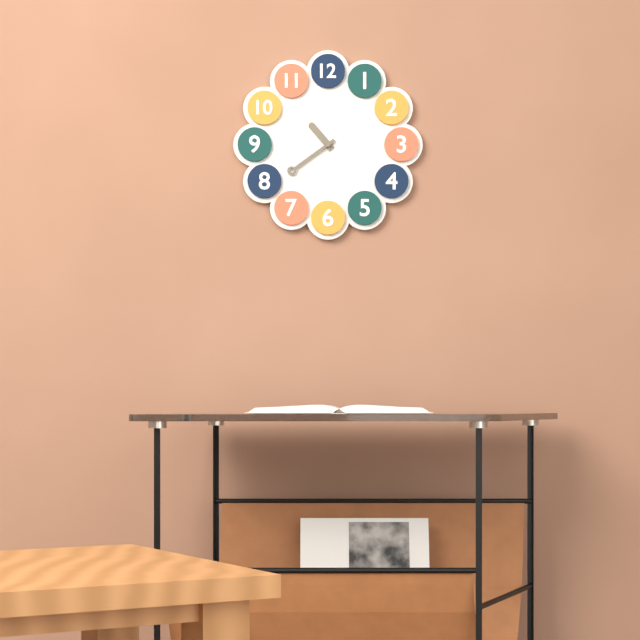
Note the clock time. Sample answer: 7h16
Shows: 10h39
